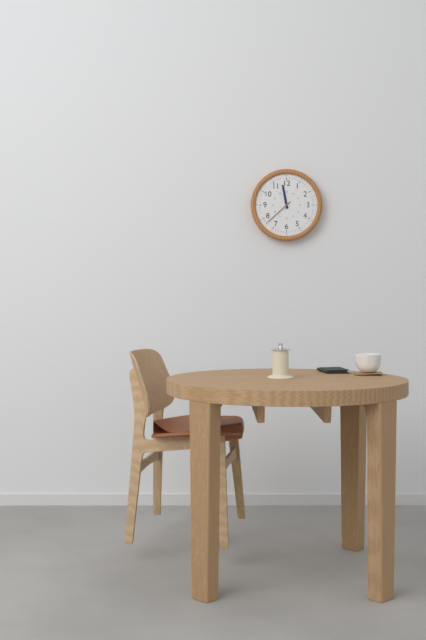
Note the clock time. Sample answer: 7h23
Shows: 11h38
